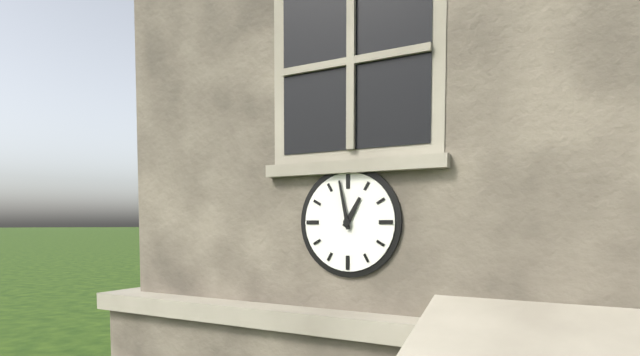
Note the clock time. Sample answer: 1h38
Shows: 12h58
